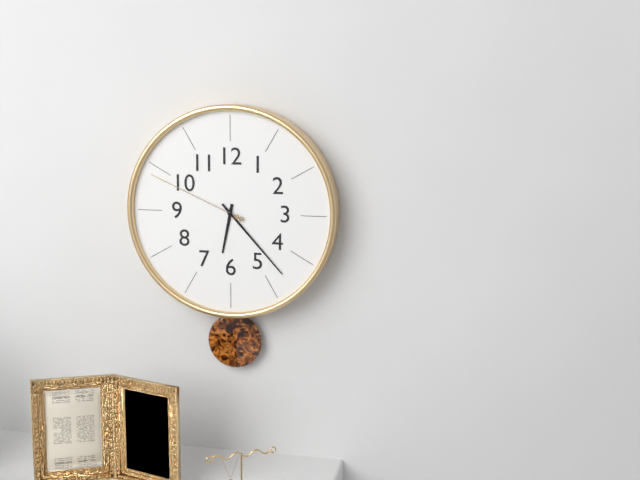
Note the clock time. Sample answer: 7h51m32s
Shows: 6h23m49s
